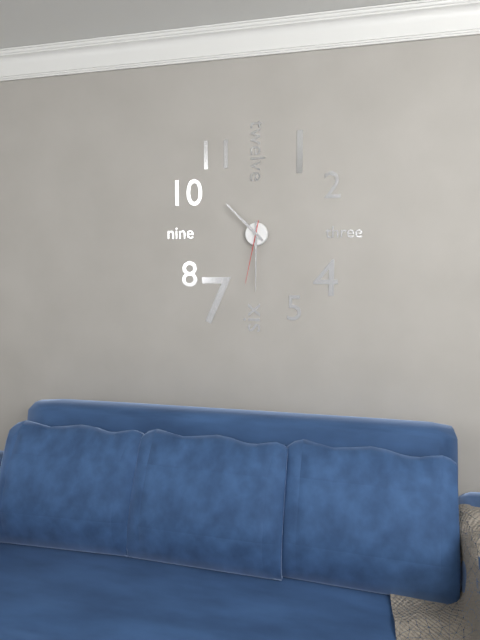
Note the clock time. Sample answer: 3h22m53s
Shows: 10h30m32s
